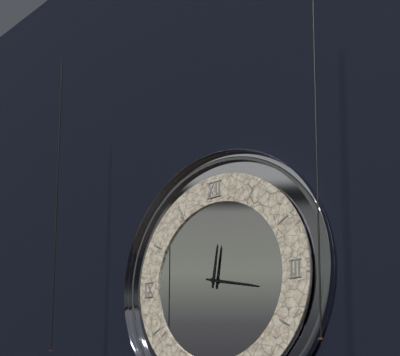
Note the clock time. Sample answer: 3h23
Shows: 12h17
